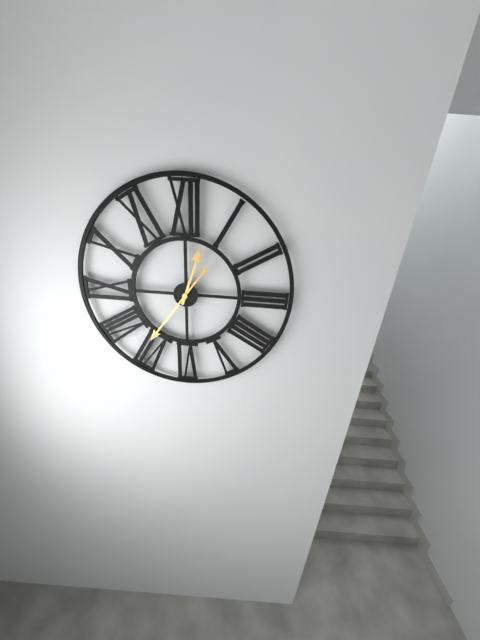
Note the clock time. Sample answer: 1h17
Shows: 12h36
